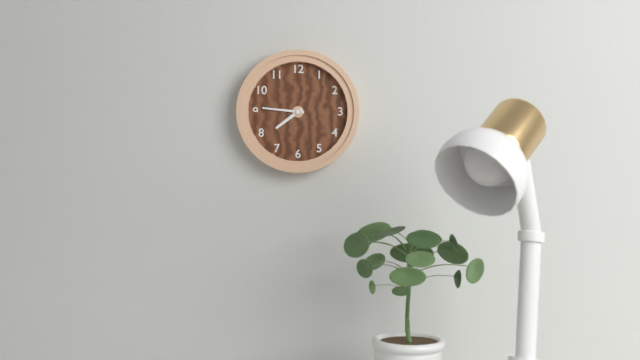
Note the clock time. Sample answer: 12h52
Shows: 7h46
